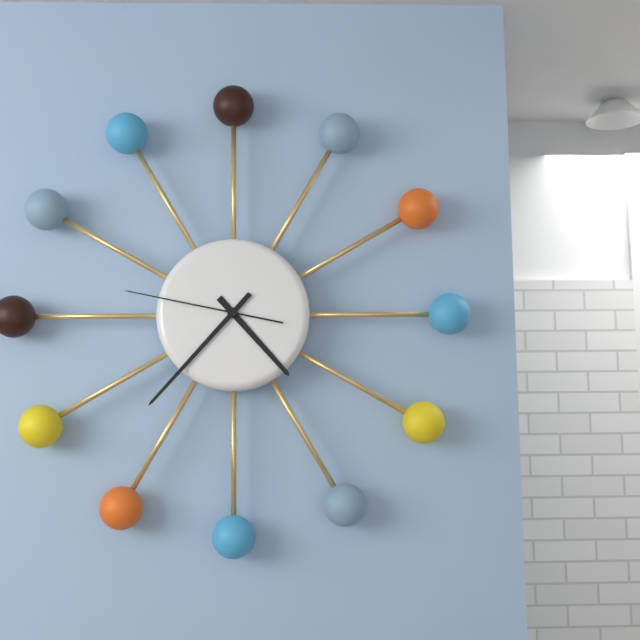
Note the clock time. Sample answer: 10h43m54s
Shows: 4h37m47s
